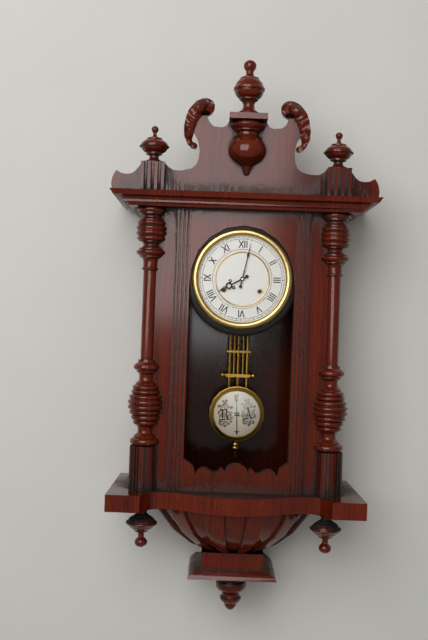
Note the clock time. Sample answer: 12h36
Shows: 8h02
